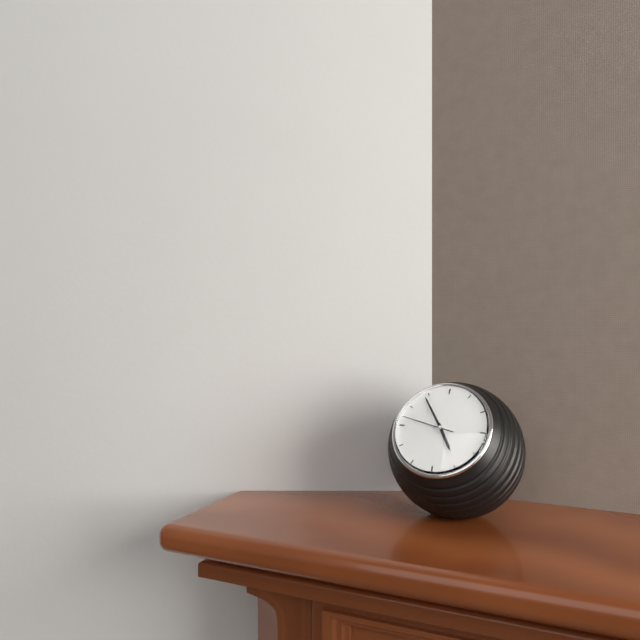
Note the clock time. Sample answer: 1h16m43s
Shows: 4h54m47s
